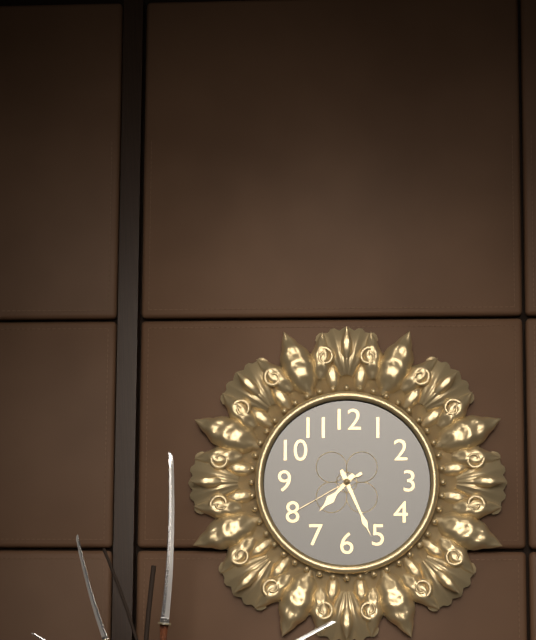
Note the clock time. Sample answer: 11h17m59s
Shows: 7h26m40s
